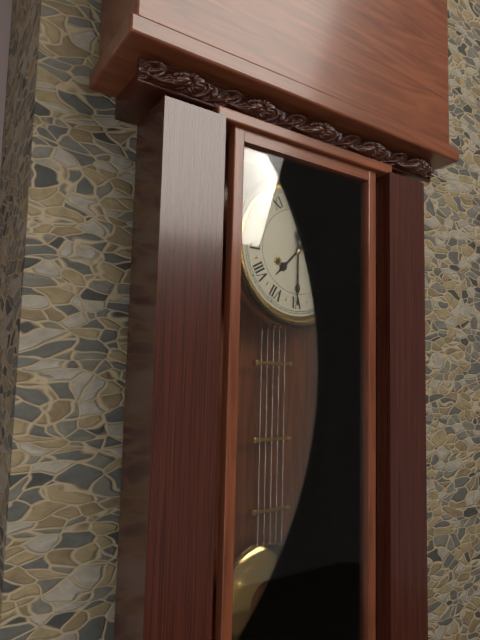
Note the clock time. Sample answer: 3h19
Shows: 7h30
